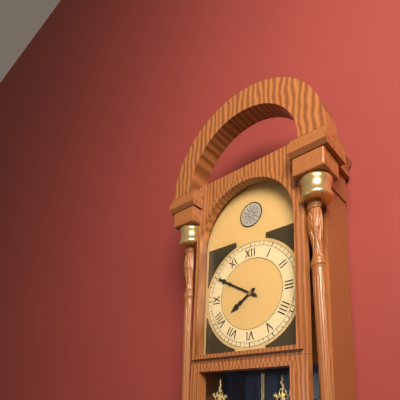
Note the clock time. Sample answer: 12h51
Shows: 7h50
